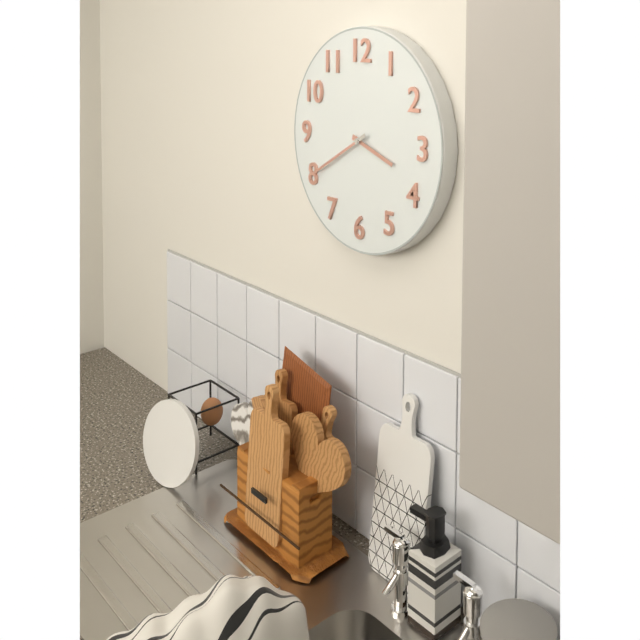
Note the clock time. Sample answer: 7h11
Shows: 3h40
